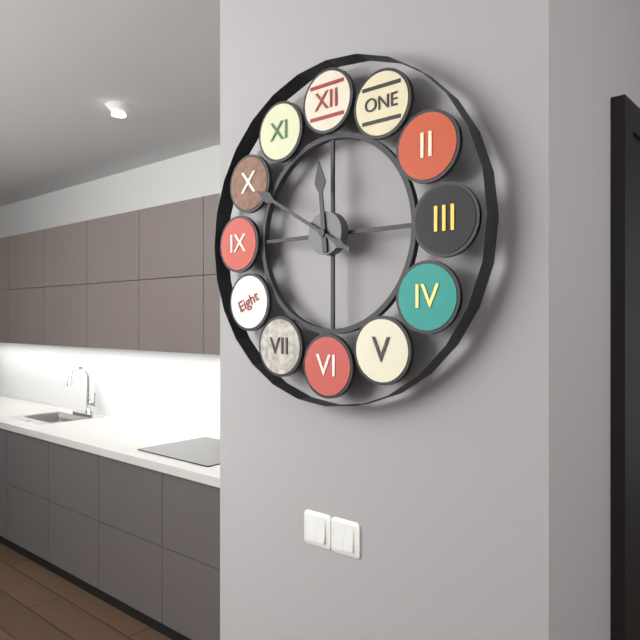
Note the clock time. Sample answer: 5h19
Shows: 11h50
